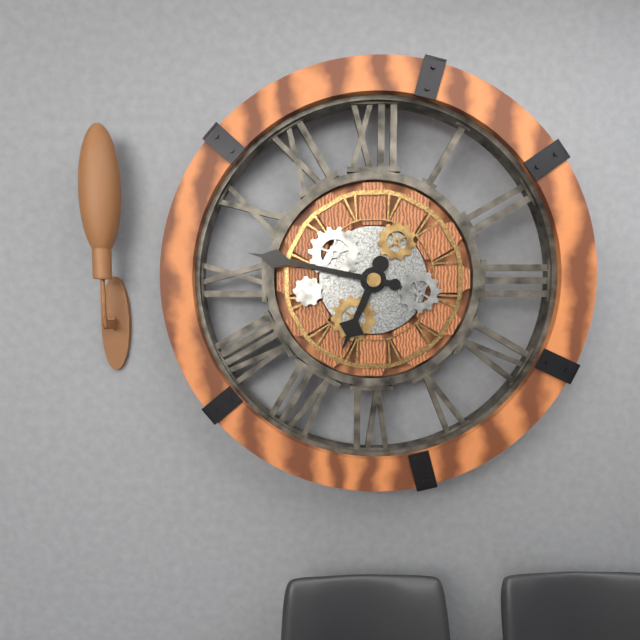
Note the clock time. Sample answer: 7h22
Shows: 6h47
